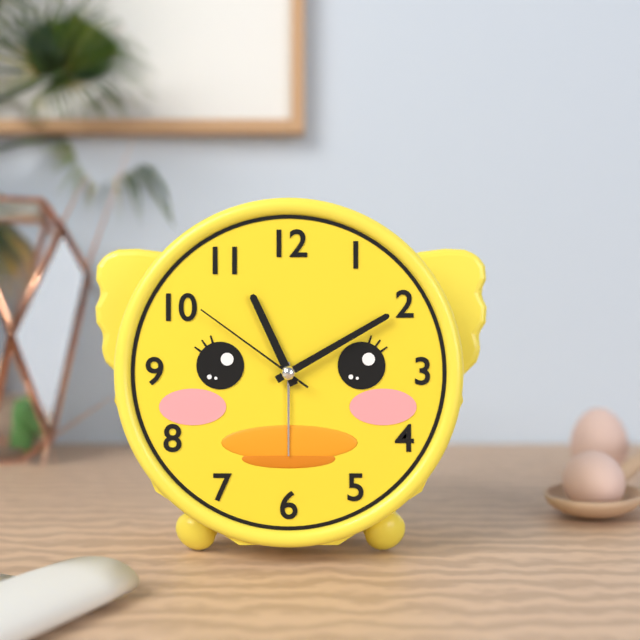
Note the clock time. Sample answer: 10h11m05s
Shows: 11h10m51s
